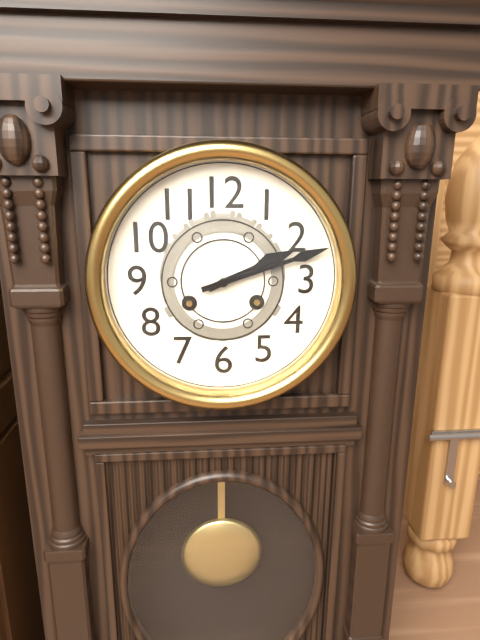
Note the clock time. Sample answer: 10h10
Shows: 2h12
